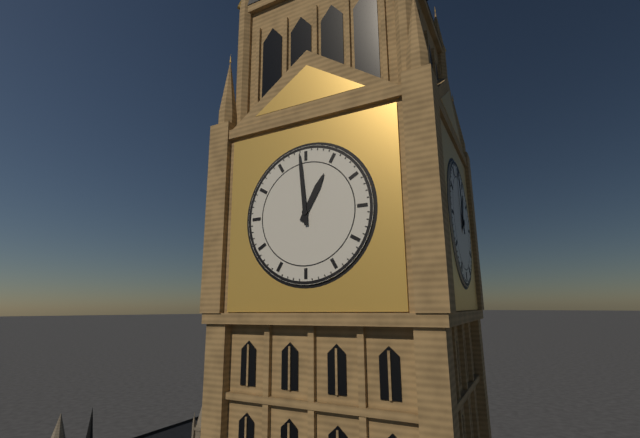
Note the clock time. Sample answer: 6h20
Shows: 12h59
